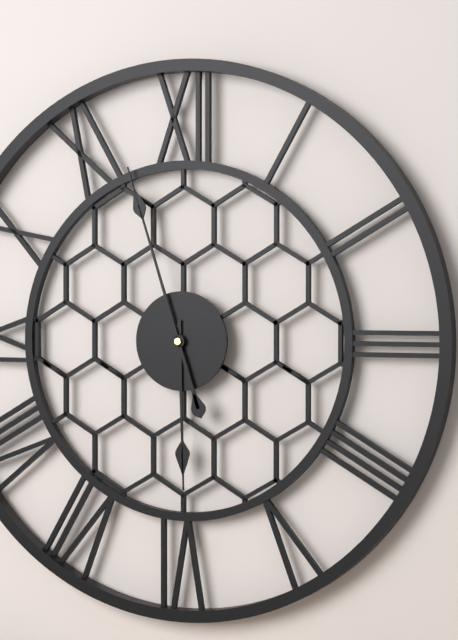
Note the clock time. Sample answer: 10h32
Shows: 5h57
